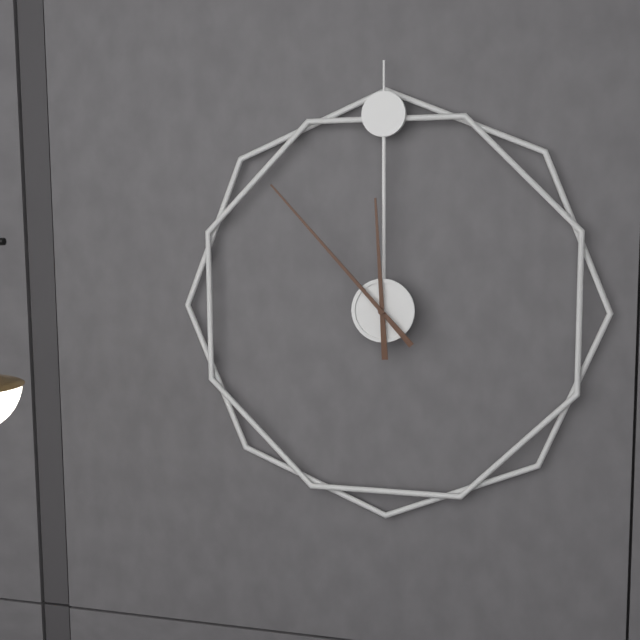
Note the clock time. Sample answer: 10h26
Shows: 11h53
